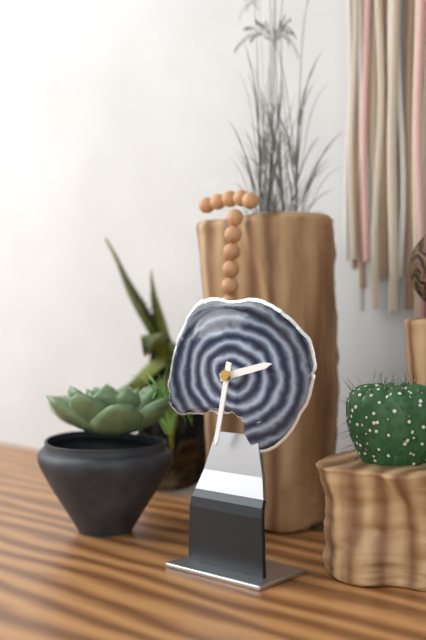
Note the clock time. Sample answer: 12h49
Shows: 2h32
